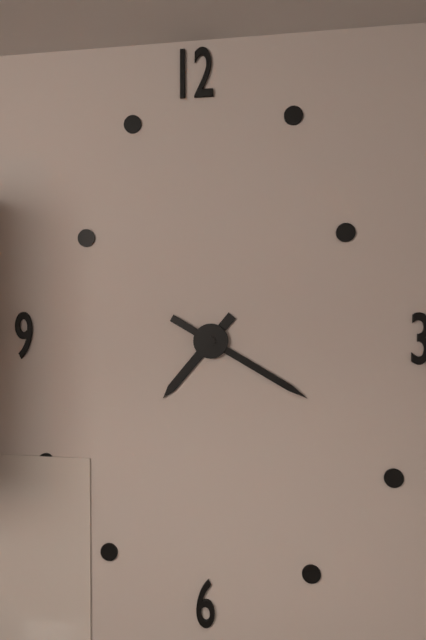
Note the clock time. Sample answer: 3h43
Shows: 7h20
